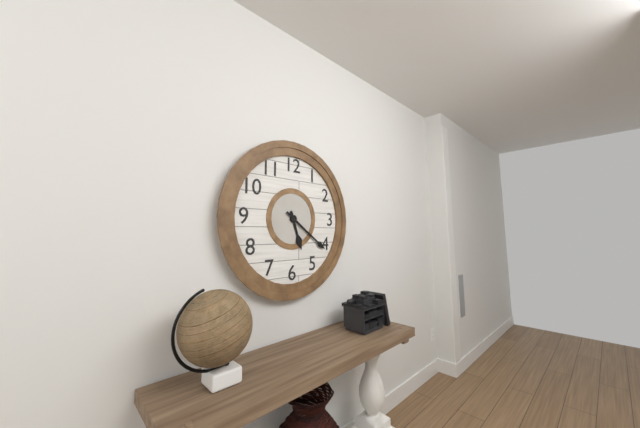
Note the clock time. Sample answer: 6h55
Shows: 5h21
